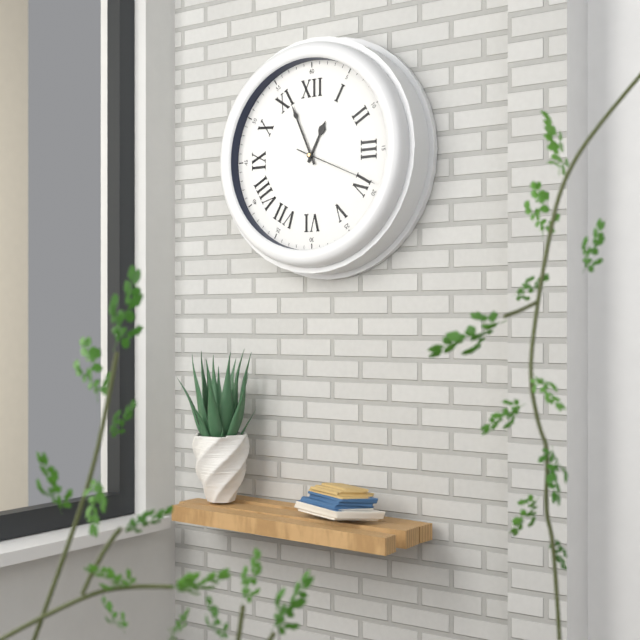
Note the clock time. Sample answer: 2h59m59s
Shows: 12h56m19s
